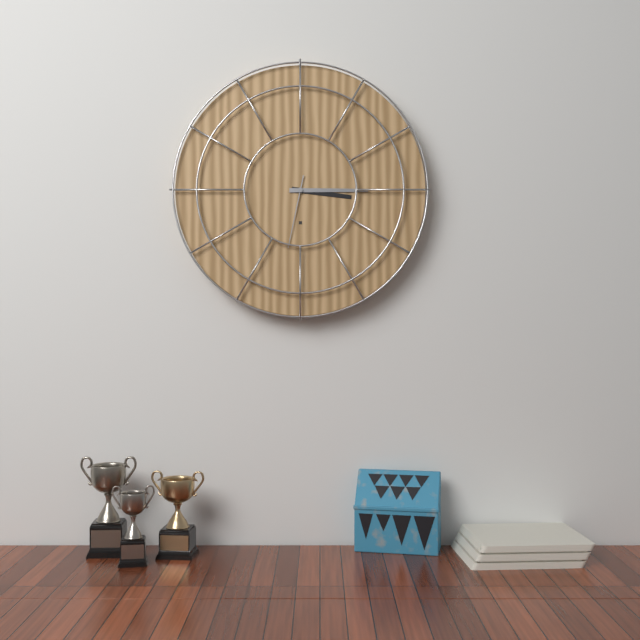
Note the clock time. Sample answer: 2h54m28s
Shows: 3h15m32s
